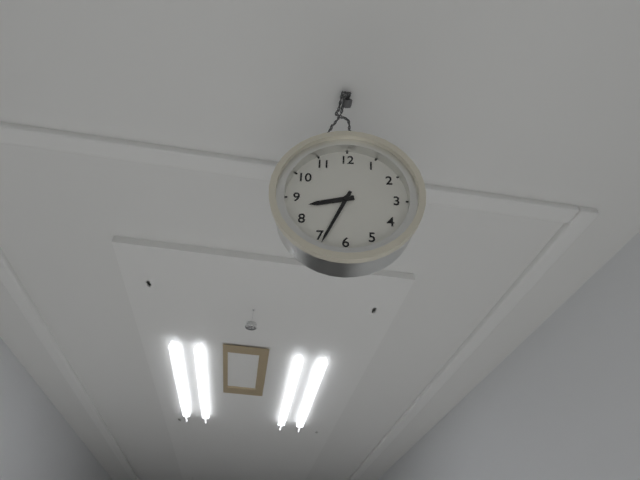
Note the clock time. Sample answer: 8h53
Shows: 8h34
